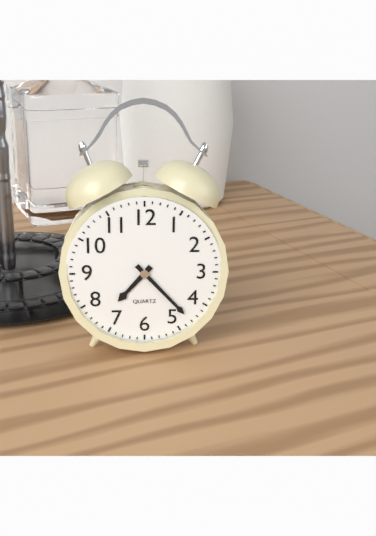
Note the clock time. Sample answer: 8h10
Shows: 7h23
